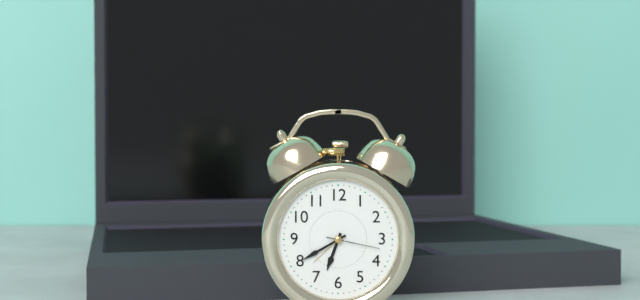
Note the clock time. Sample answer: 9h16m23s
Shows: 6h40m17s
